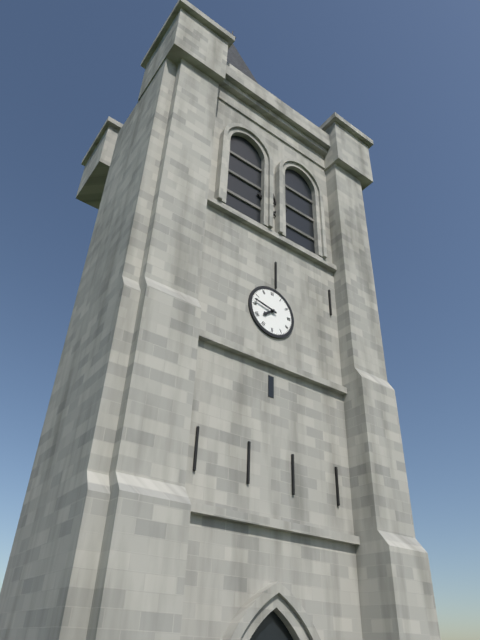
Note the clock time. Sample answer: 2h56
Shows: 7h47
